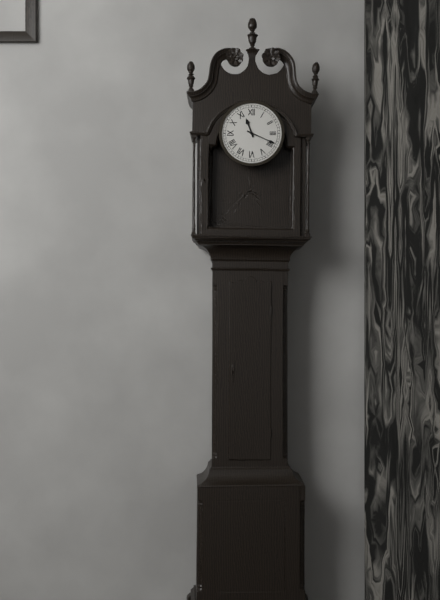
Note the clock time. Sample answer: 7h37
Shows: 11h19
